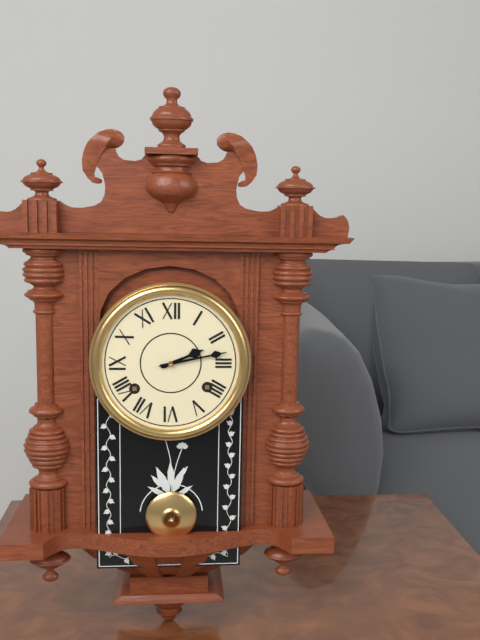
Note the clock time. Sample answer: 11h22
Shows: 2h13
